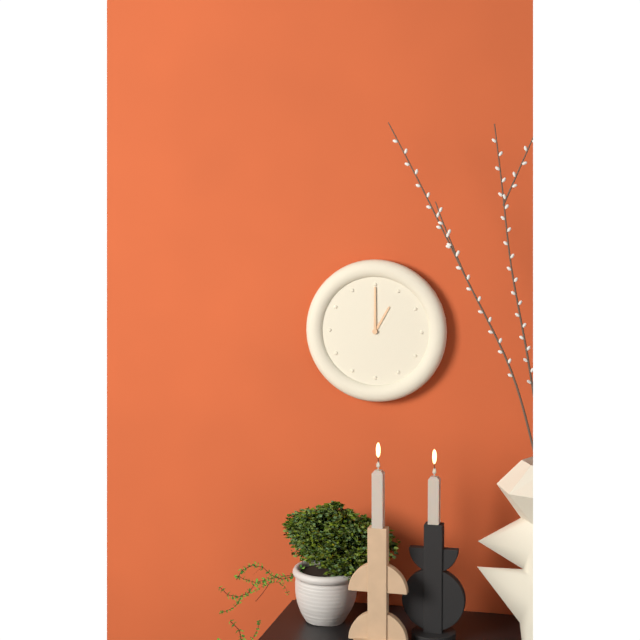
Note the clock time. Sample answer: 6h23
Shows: 1h00
